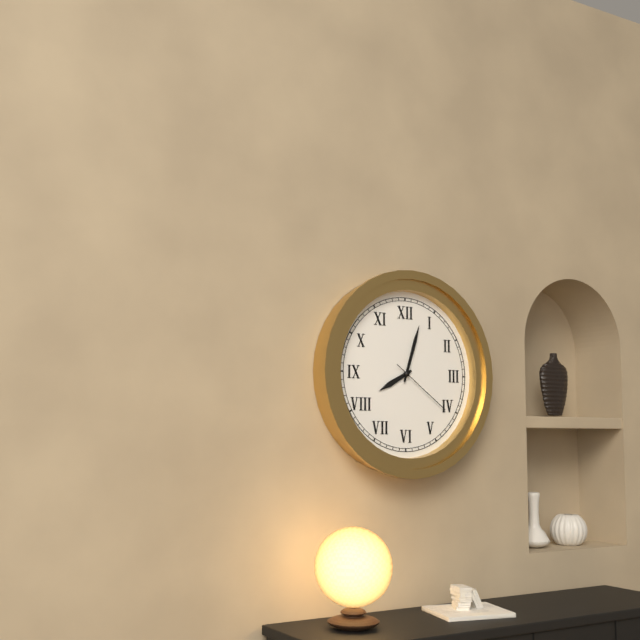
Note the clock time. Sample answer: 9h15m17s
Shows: 8h03m21s
